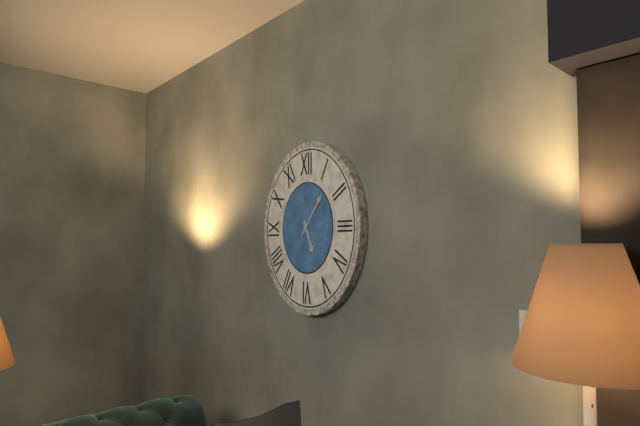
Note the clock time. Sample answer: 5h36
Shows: 5h07
